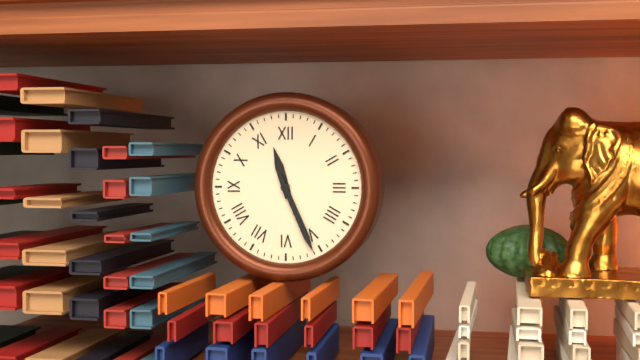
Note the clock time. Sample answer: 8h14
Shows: 11h26
